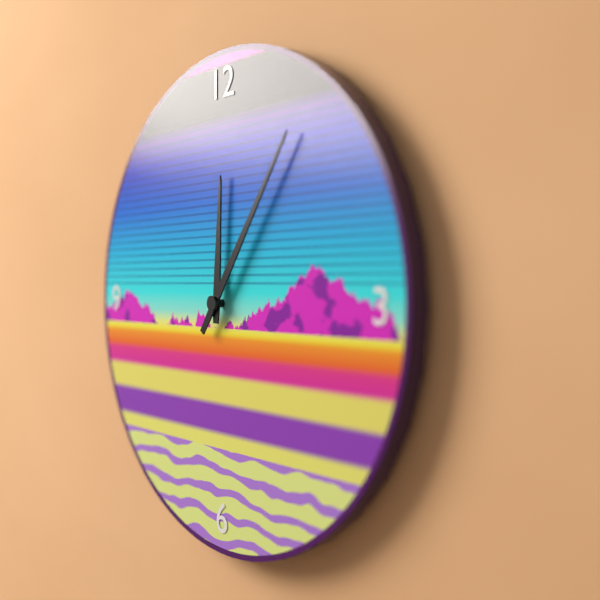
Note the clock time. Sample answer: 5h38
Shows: 12h06
